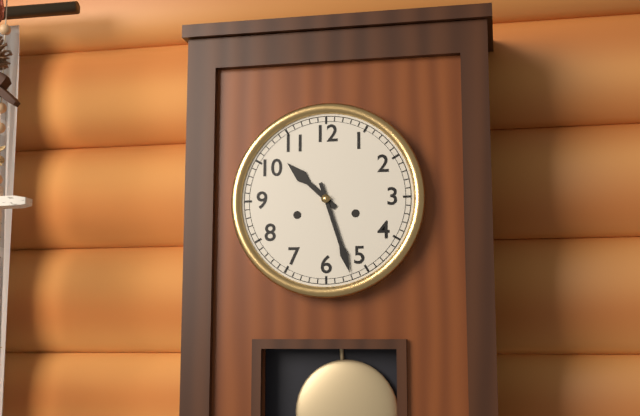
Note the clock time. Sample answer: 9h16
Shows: 10h27
